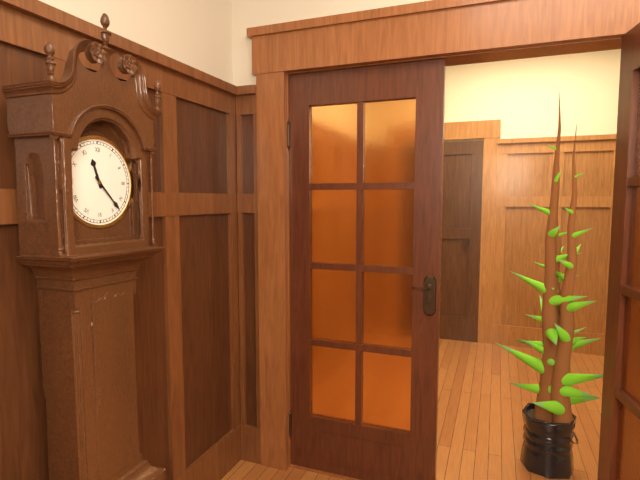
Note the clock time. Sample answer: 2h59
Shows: 11h23
